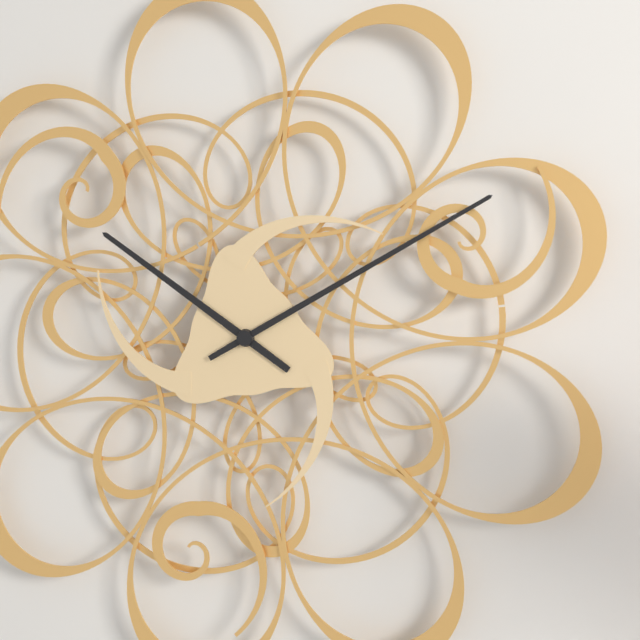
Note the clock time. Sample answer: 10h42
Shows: 10h10
